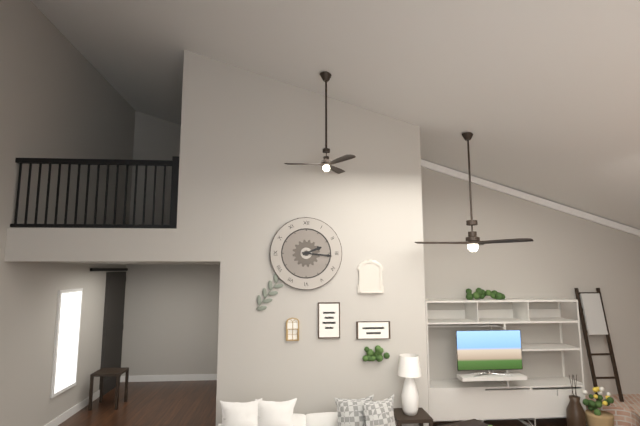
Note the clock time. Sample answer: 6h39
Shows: 2h16
